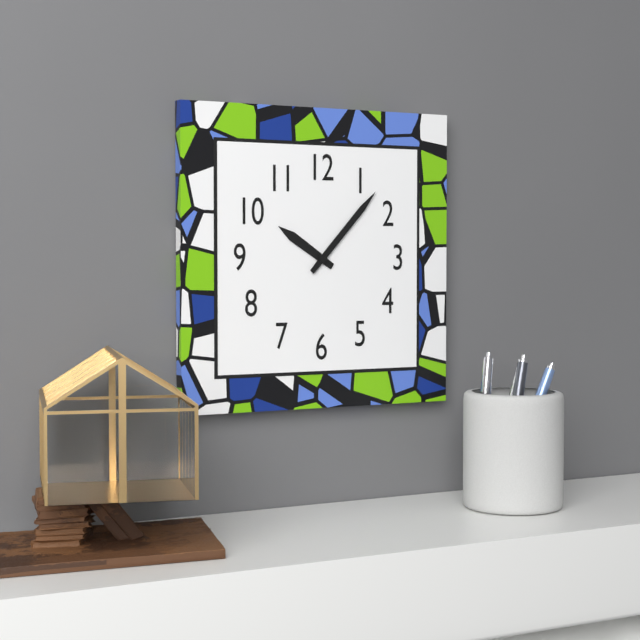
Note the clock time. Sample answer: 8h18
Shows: 10h07
